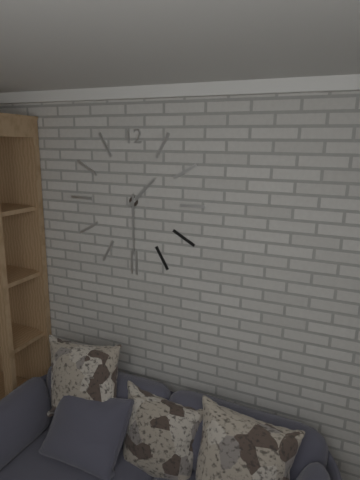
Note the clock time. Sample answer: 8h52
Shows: 1h30
